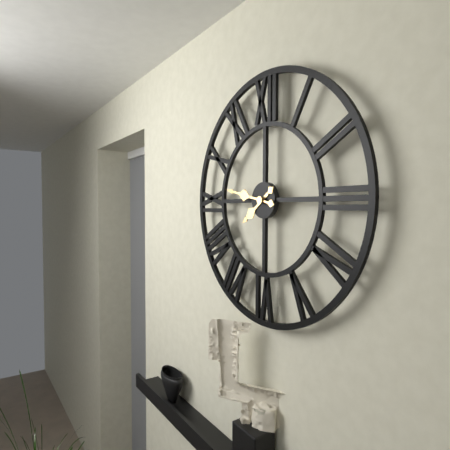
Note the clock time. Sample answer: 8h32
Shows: 7h47
